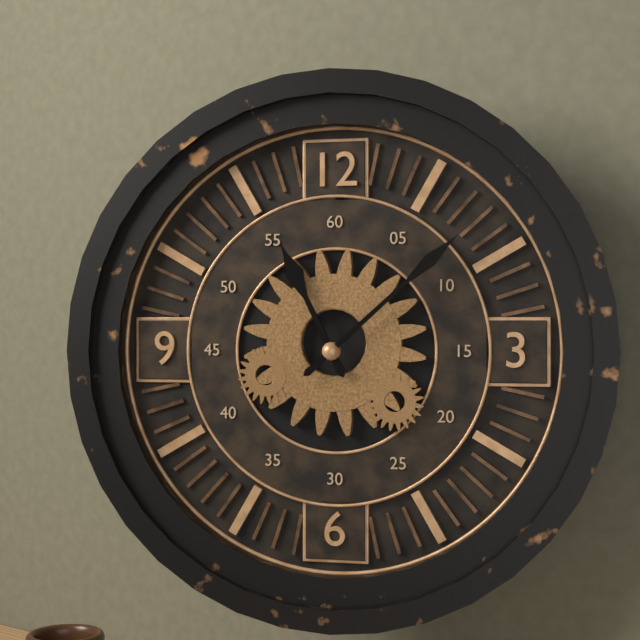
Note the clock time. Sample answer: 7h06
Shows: 11h08
